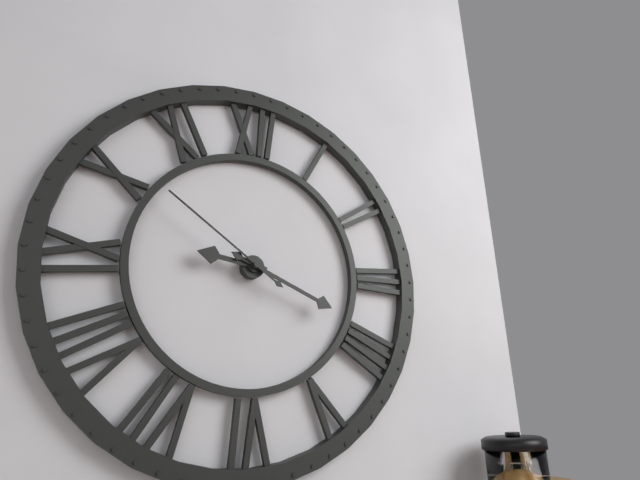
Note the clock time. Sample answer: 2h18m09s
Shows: 9h19m51s
